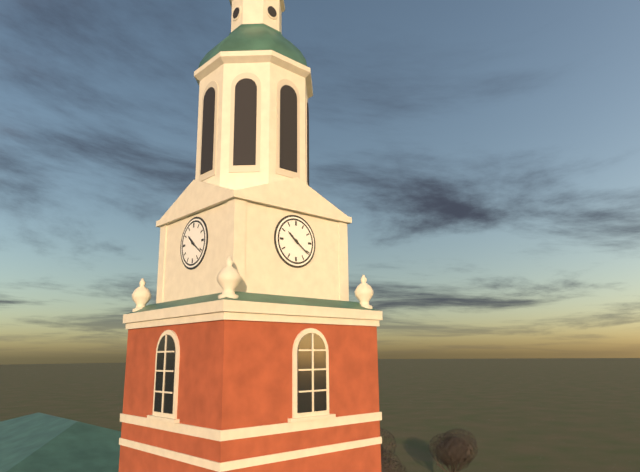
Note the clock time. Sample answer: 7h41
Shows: 10h21
